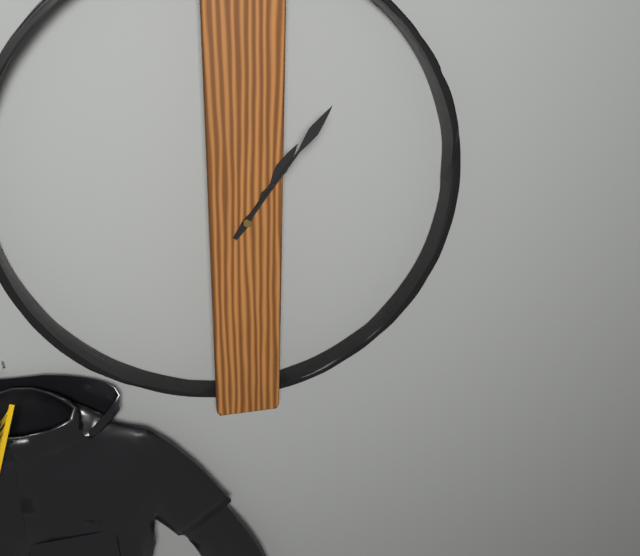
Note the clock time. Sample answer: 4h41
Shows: 1h06
